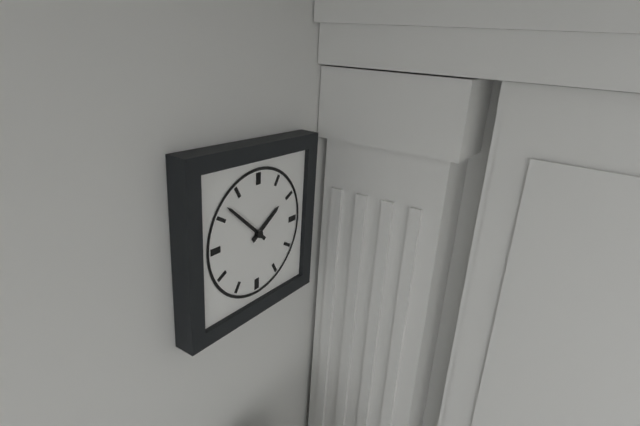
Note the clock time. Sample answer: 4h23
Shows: 1h52
